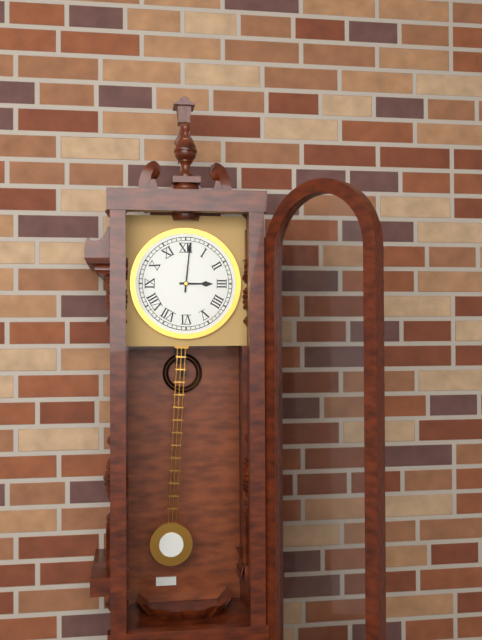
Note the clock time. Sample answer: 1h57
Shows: 3h01
